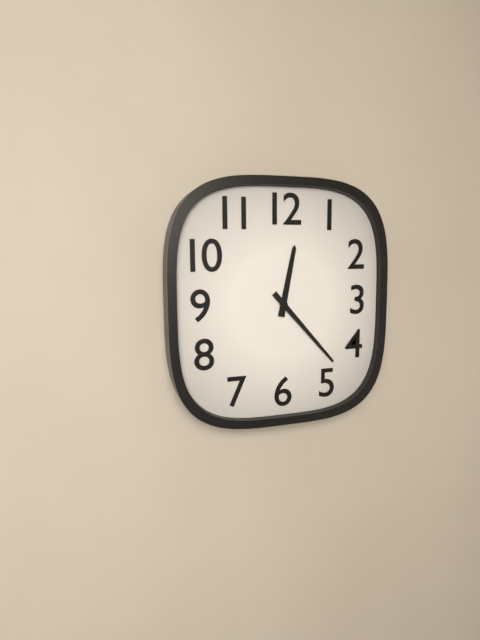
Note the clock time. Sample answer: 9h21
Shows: 12h23
